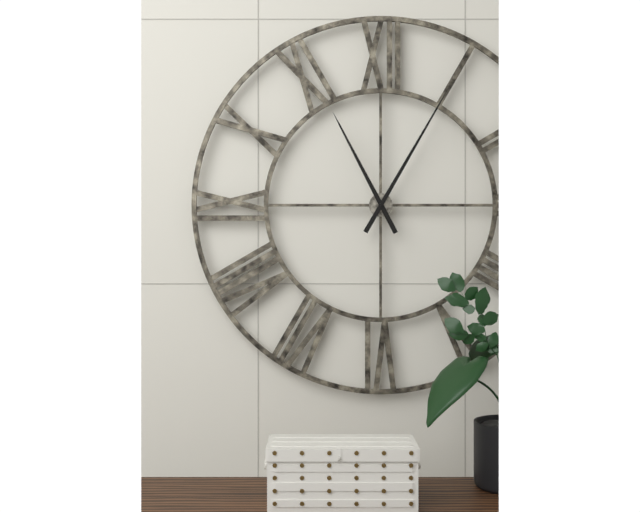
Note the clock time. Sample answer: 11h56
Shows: 11h05
